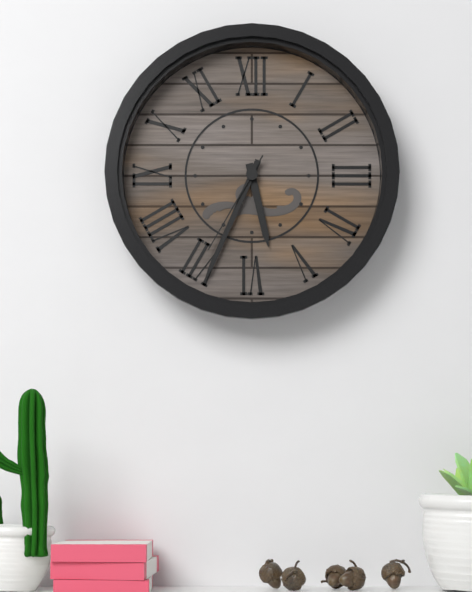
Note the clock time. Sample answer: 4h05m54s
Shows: 5h34m35s
